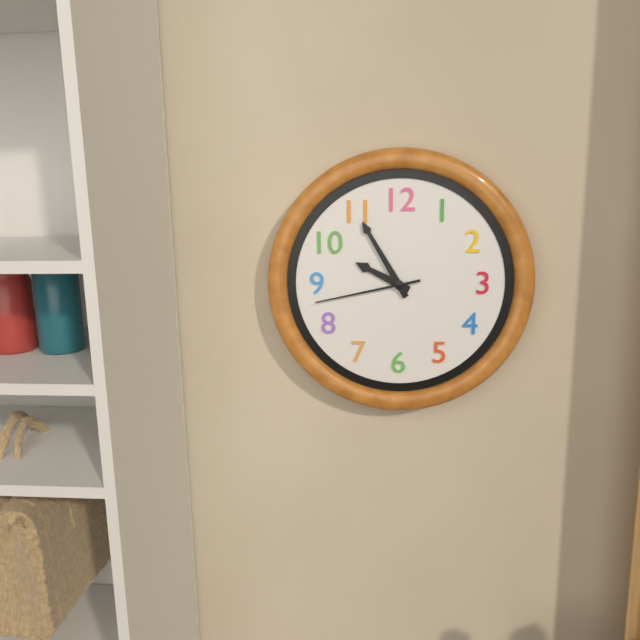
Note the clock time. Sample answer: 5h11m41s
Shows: 9h55m43s
